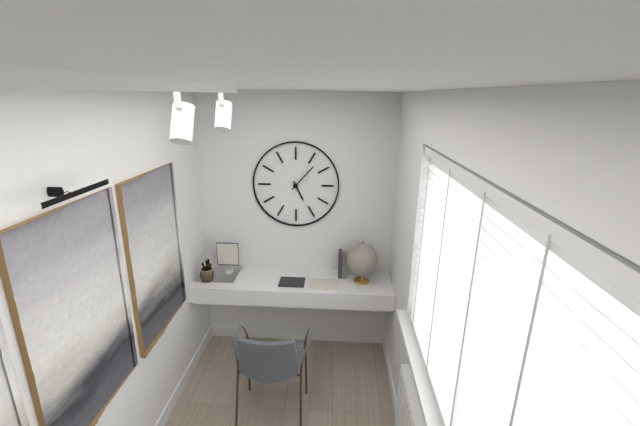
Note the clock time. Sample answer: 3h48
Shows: 5h07
